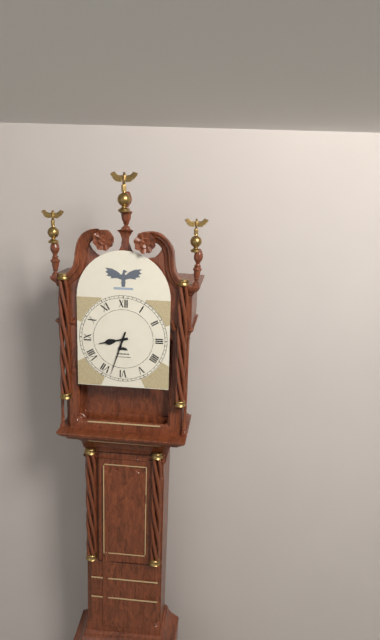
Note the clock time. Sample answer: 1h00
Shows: 8h33
